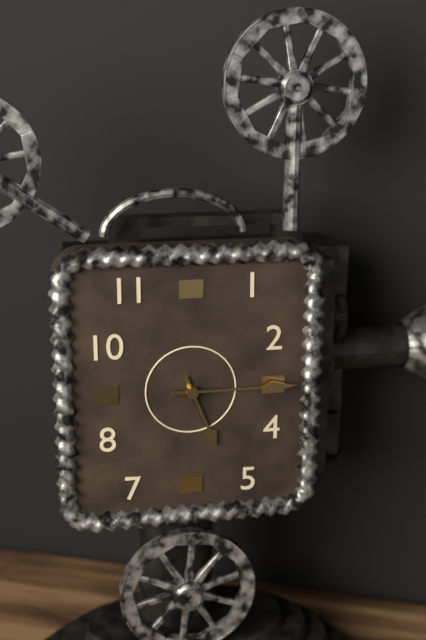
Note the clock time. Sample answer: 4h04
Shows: 5h15
